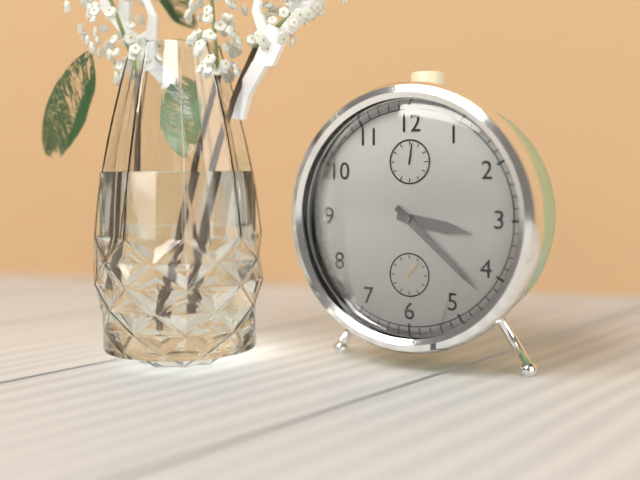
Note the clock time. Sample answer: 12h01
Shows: 3h22
